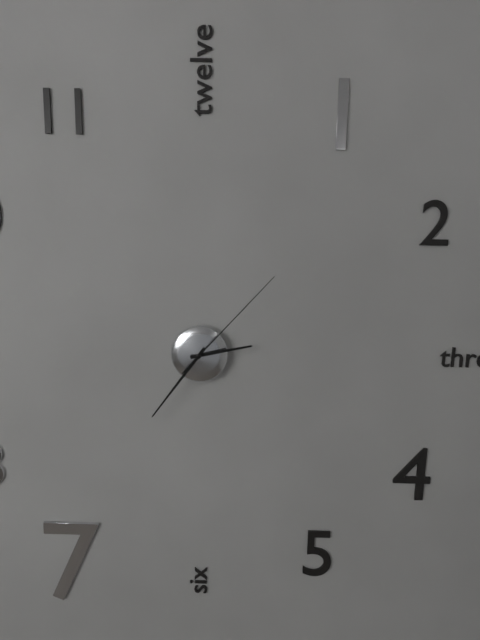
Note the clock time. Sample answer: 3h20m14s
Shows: 2h36m07s
